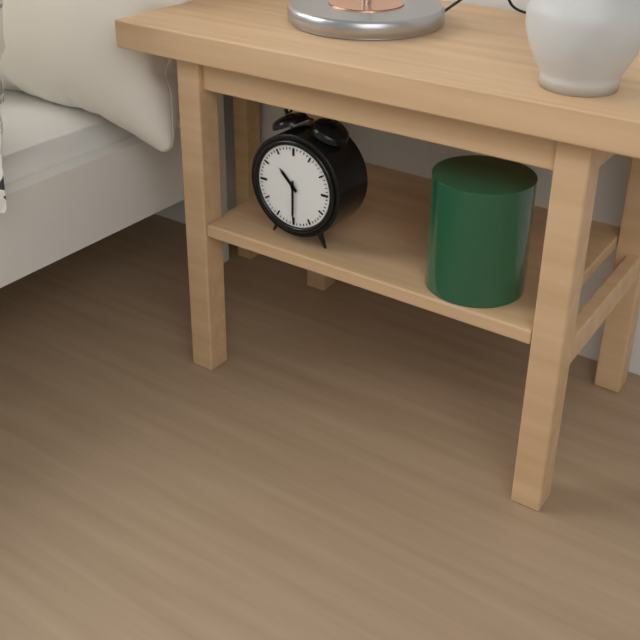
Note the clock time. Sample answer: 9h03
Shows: 10h30
